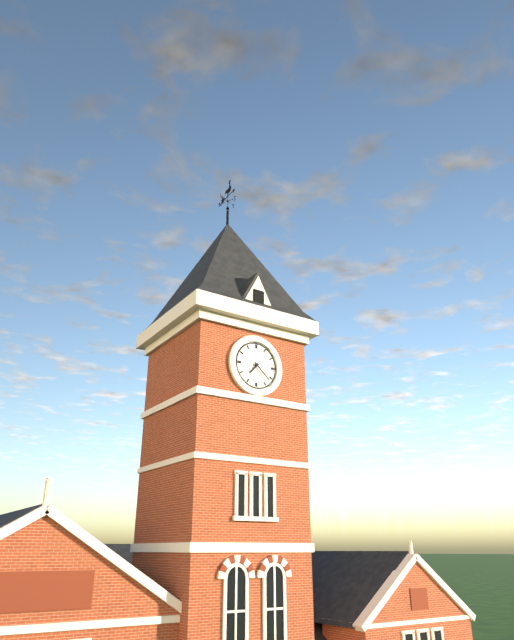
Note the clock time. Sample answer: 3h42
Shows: 7h22
